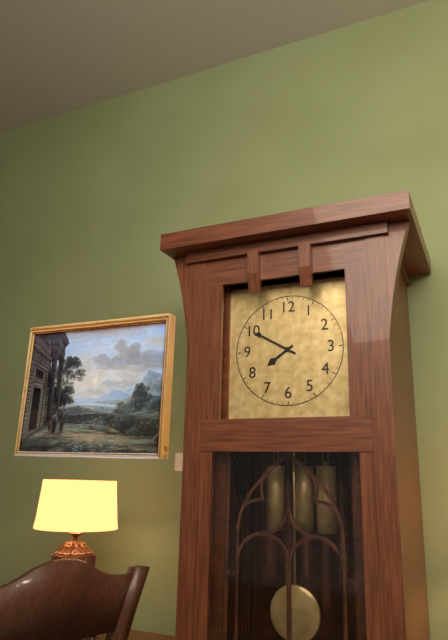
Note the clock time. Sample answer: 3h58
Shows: 7h50
